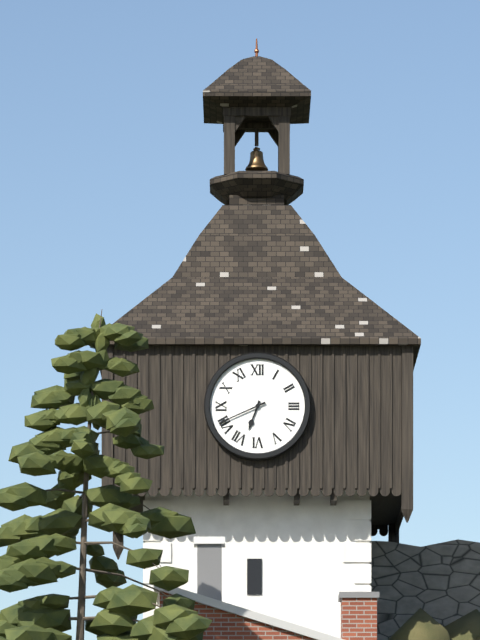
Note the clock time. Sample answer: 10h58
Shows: 6h41
